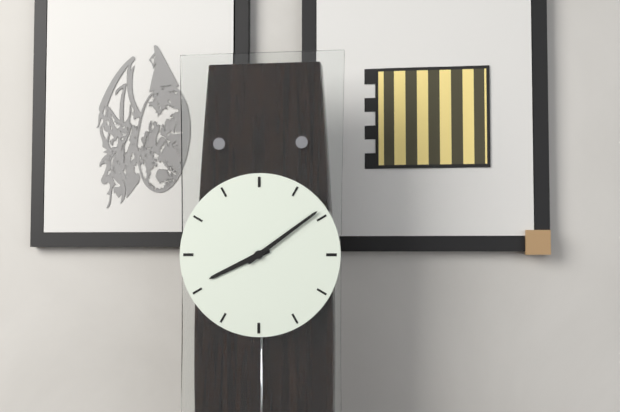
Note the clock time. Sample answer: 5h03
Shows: 8h09
